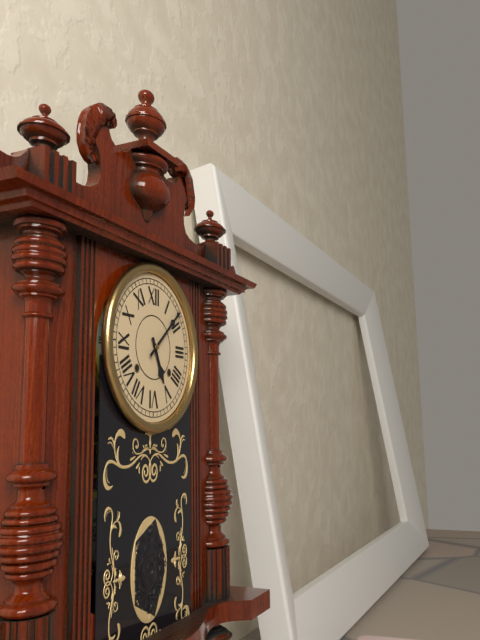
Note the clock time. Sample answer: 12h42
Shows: 5h08
